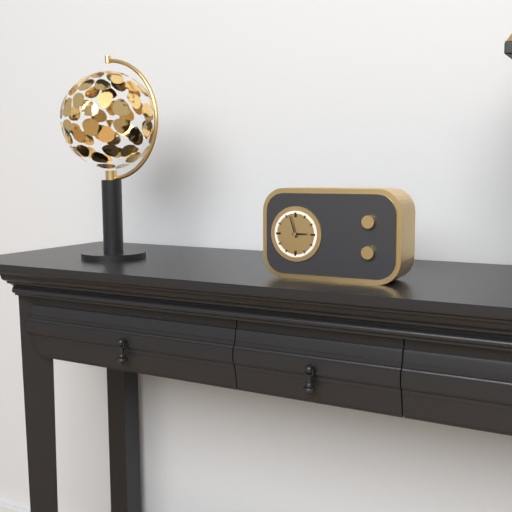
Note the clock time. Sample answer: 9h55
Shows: 2h57
